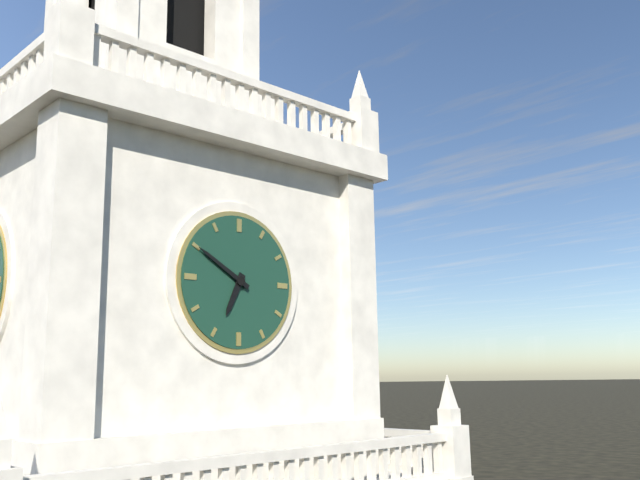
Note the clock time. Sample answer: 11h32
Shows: 6h50
